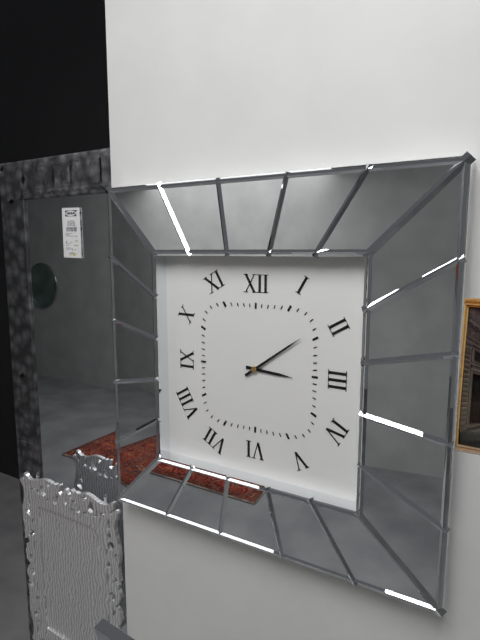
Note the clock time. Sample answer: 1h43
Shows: 3h09
